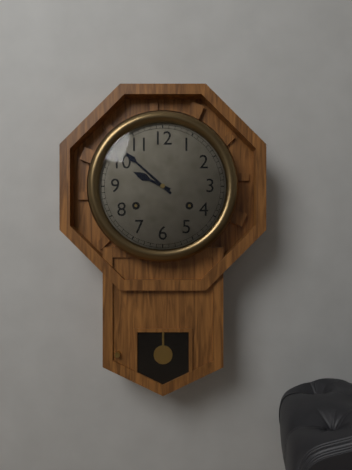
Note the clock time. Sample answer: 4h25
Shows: 9h52
